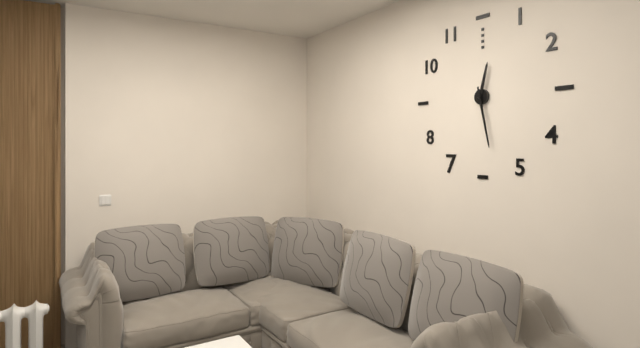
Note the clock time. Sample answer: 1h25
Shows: 12h28
